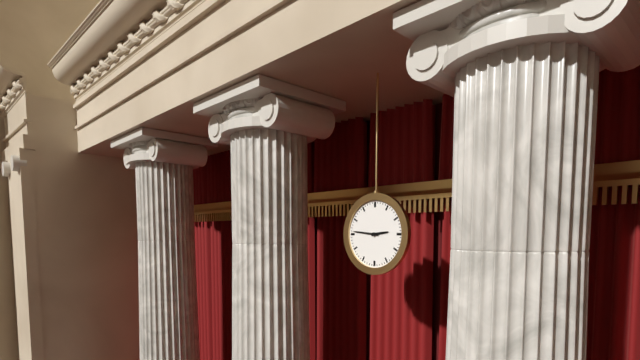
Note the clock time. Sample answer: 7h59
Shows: 2h46
